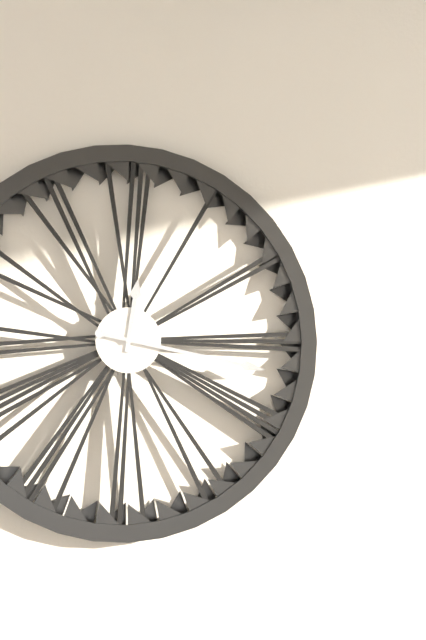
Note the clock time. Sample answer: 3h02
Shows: 12h17
